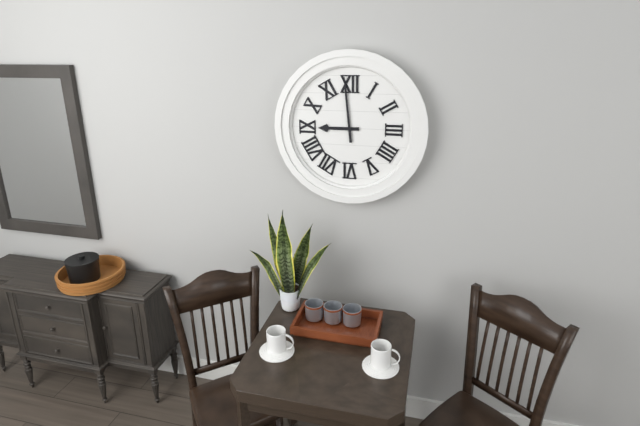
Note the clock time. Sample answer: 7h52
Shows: 8h59
